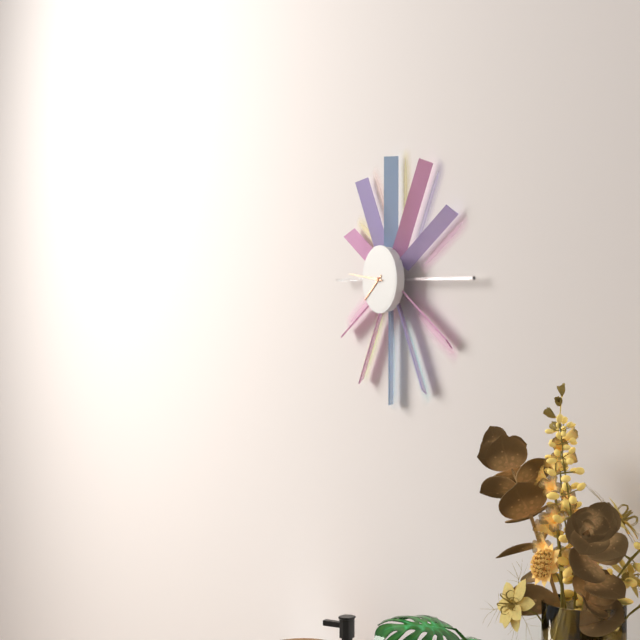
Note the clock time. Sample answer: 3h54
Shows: 7h46
